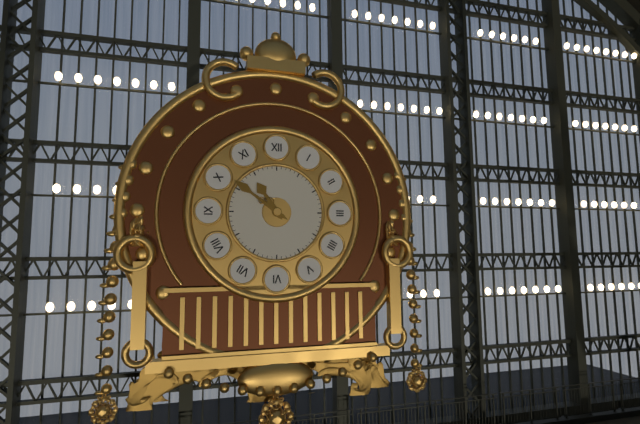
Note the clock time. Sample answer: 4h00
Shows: 10h51
